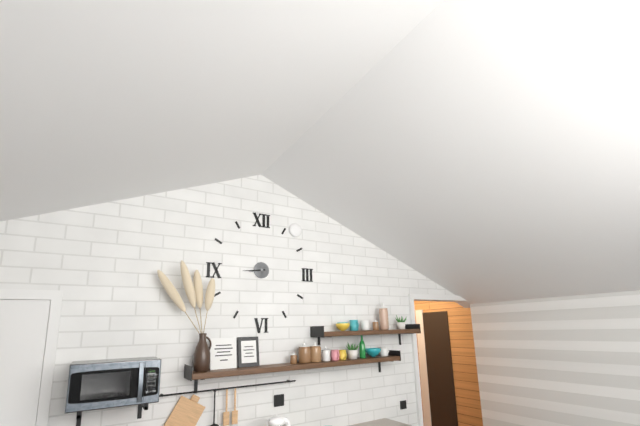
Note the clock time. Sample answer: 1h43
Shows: 8h44
